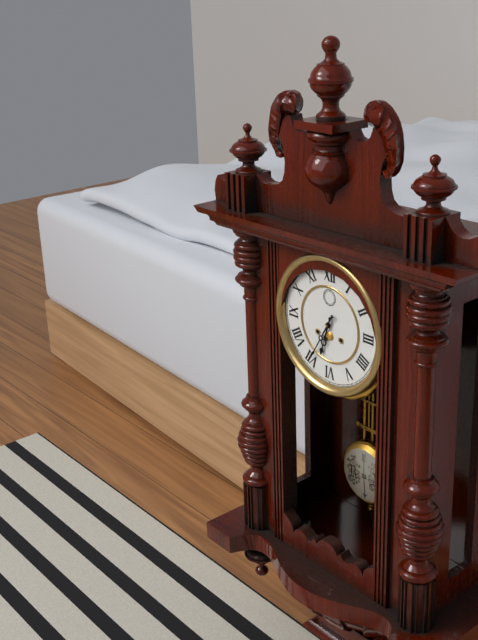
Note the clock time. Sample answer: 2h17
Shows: 6h35
